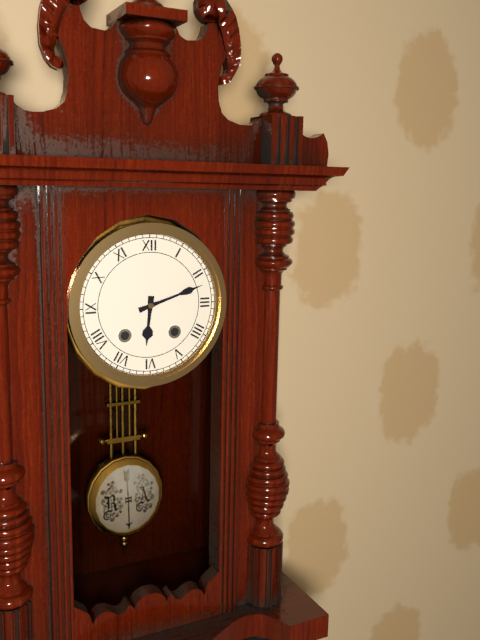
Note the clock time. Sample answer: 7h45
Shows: 6h12
